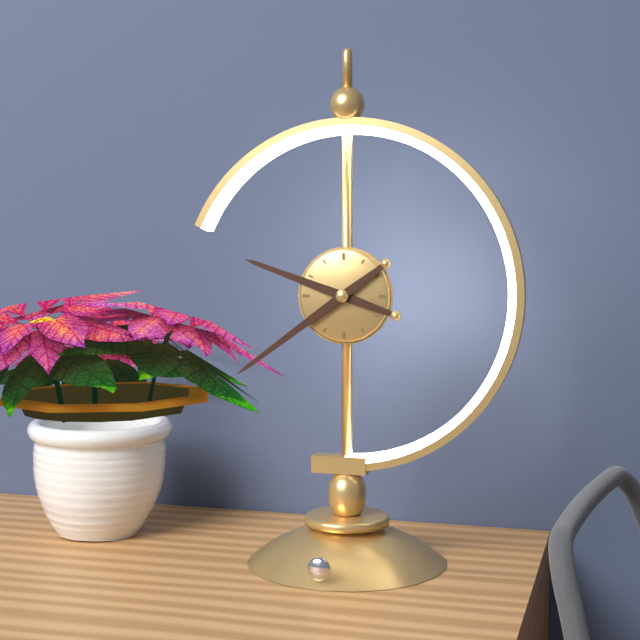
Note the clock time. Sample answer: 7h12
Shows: 9h39
